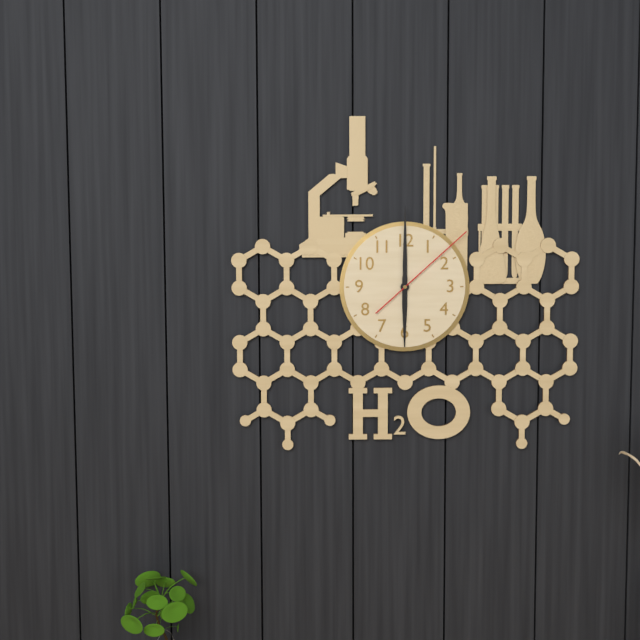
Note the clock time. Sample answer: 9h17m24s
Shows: 6h00m08s
